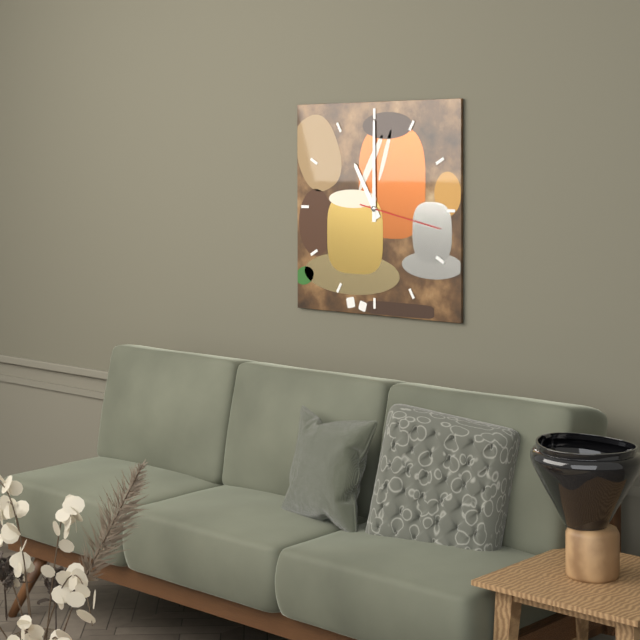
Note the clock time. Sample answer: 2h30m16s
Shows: 11h00m17s
